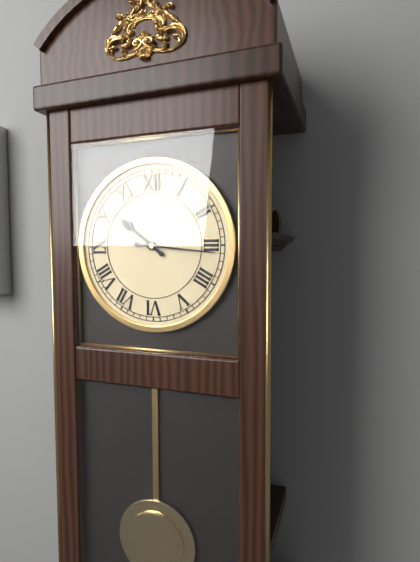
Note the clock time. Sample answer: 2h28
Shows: 10h16
